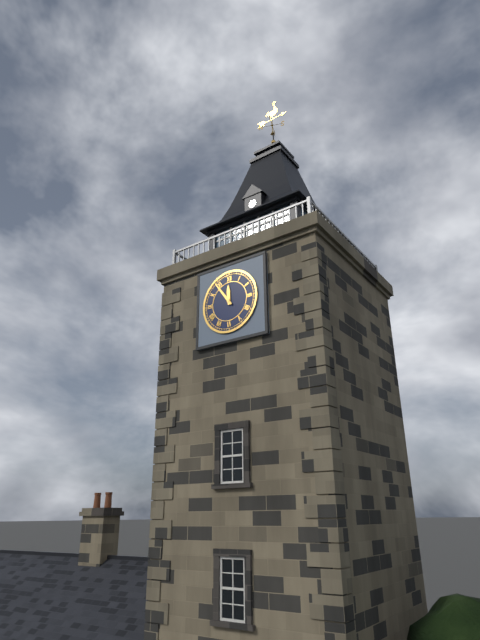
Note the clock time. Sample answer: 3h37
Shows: 11h54
